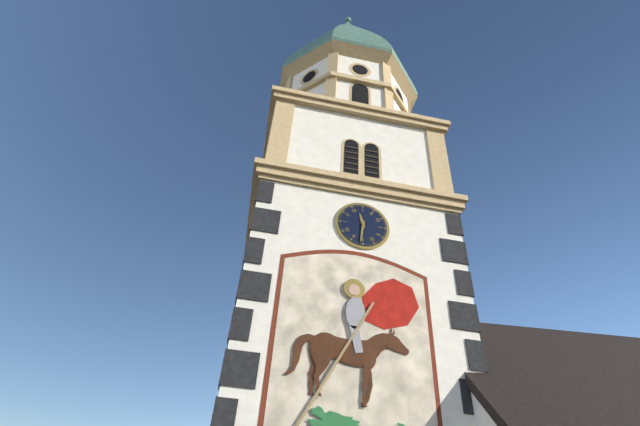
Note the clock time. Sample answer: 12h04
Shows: 11h31
